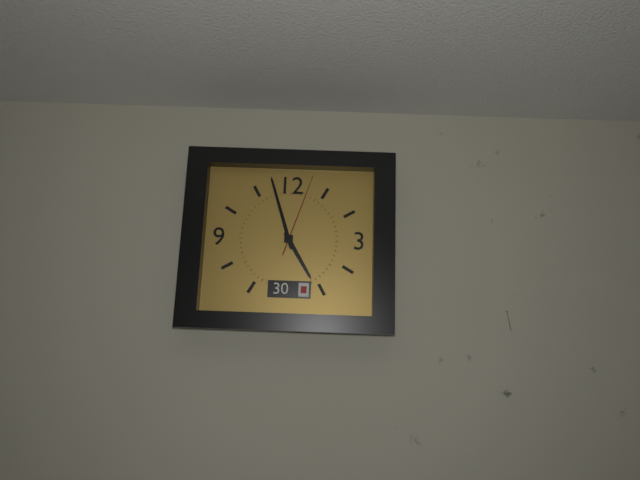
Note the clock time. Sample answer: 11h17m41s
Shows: 4h57m03s
